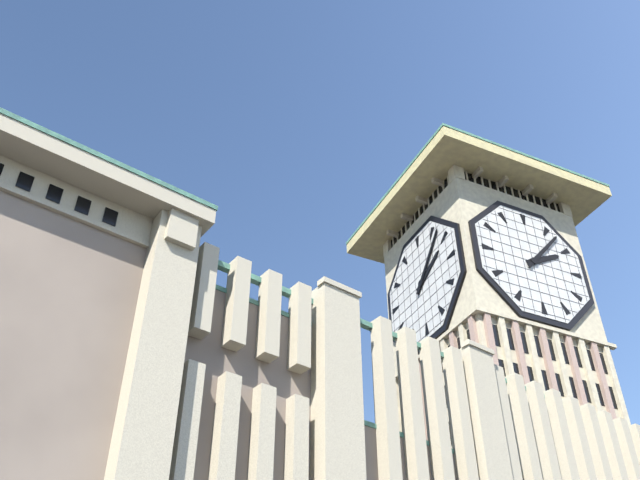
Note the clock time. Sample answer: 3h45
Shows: 2h07
